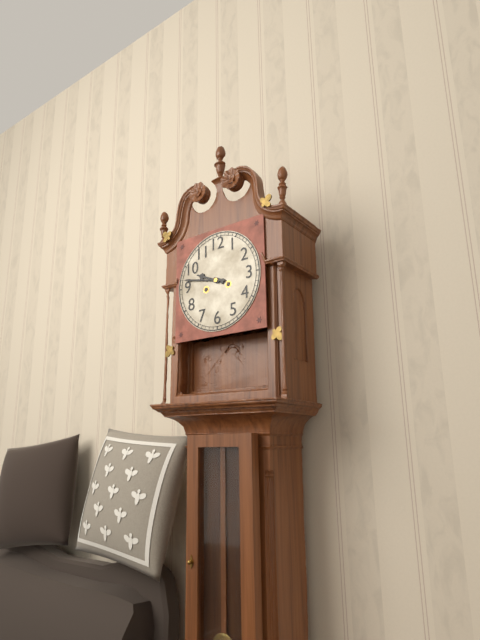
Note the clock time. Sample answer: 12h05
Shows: 9h47
